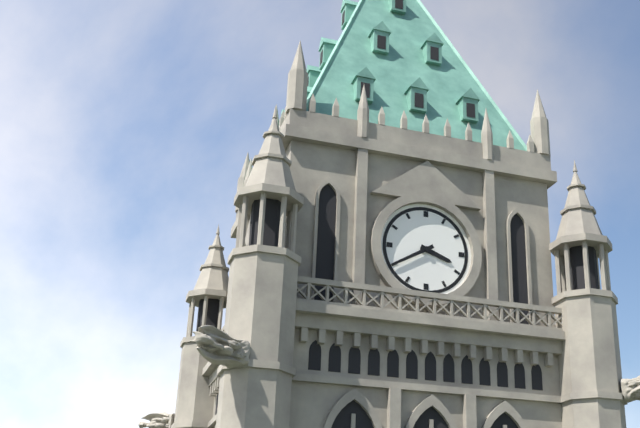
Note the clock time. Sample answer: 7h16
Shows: 3h40
